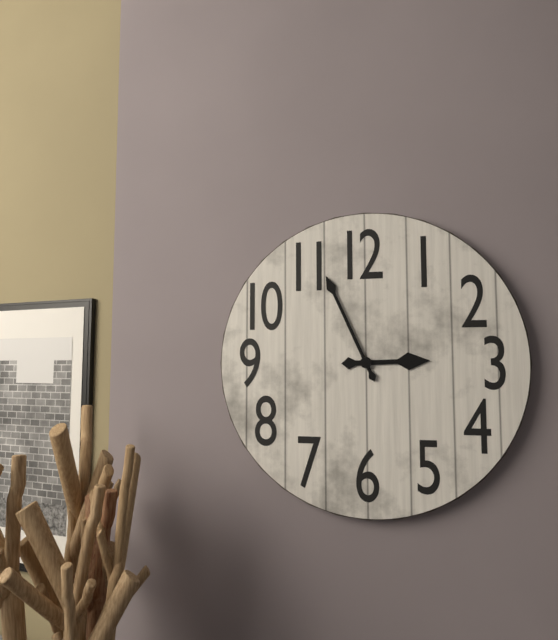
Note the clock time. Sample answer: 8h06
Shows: 2h56
